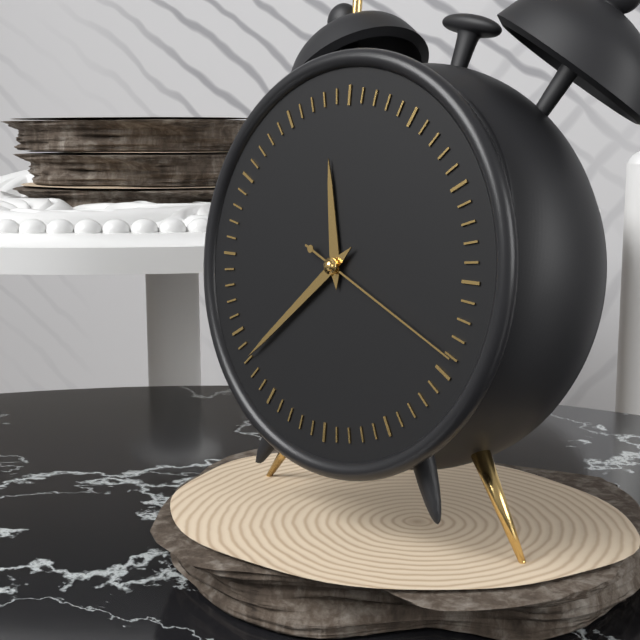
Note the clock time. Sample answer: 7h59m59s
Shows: 11h38m19s
